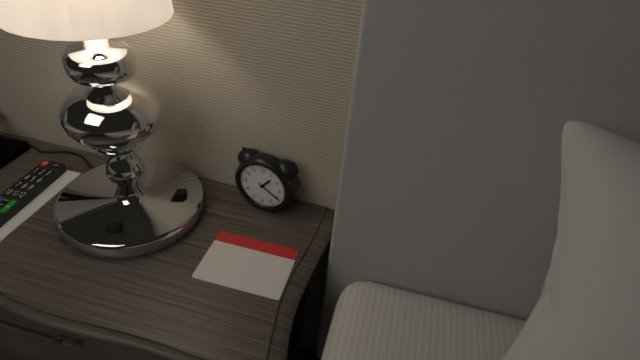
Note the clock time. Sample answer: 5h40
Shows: 1h20
